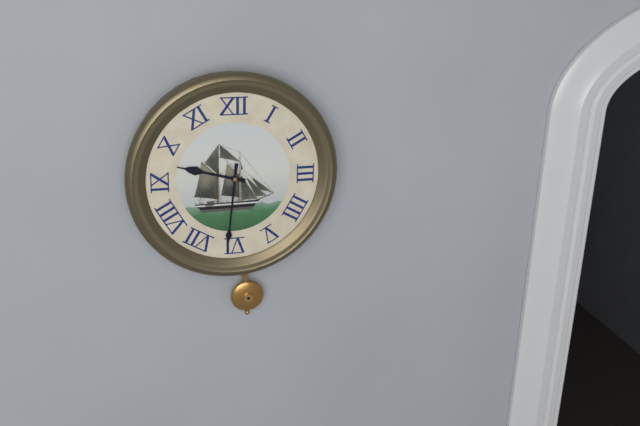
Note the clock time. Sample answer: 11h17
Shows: 9h31
